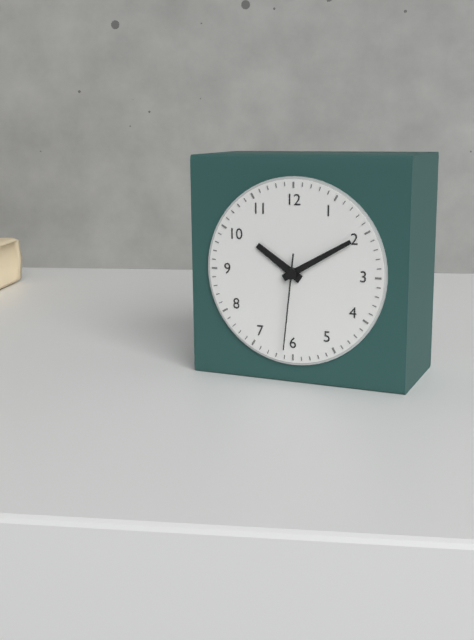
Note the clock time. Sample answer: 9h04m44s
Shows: 10h10m31s
